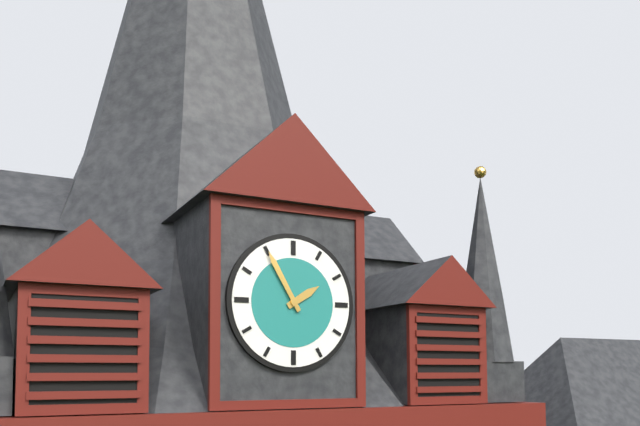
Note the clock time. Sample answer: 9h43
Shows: 1h55
